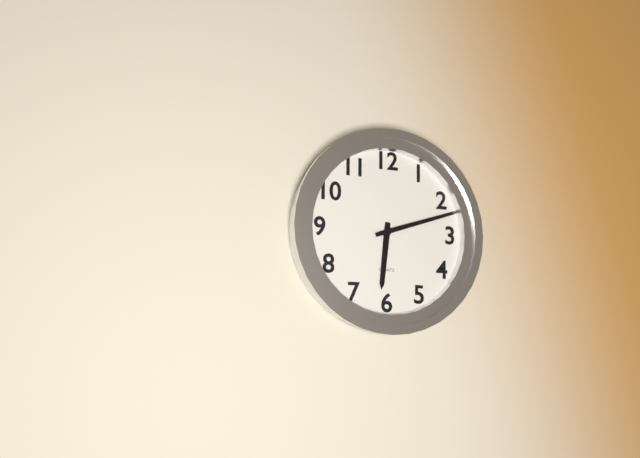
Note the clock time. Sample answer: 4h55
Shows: 6h12
